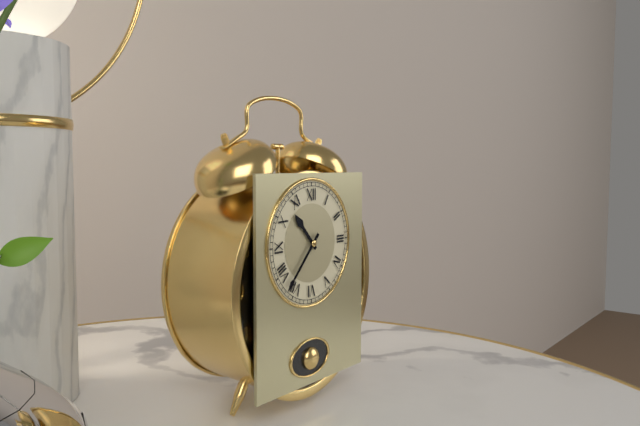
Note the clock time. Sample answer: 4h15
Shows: 10h37
